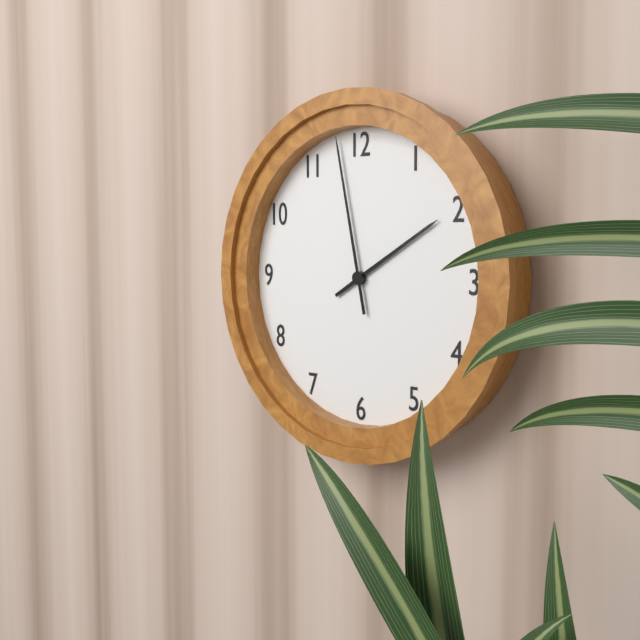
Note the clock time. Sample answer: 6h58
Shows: 1h58
